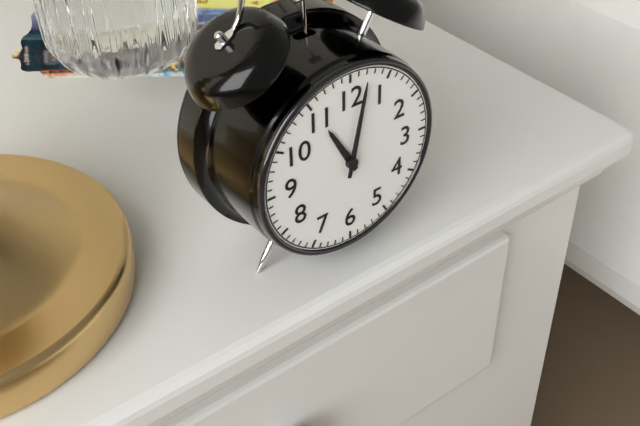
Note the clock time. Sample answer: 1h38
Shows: 11h02
